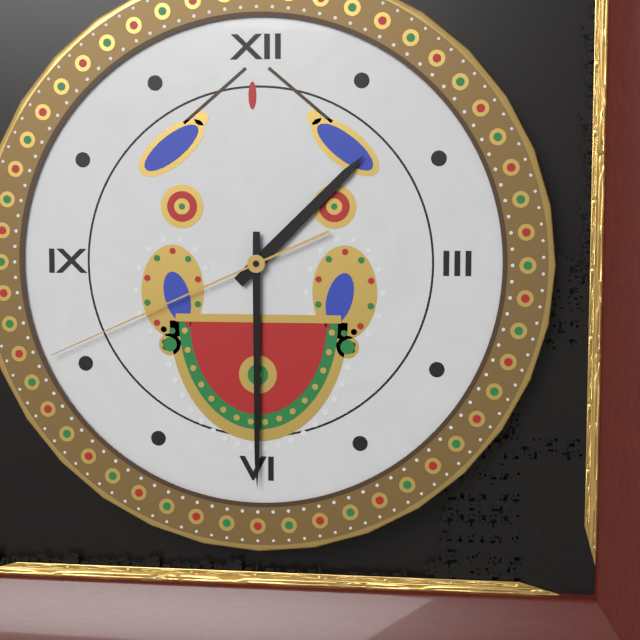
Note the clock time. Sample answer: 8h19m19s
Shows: 1h30m41s
